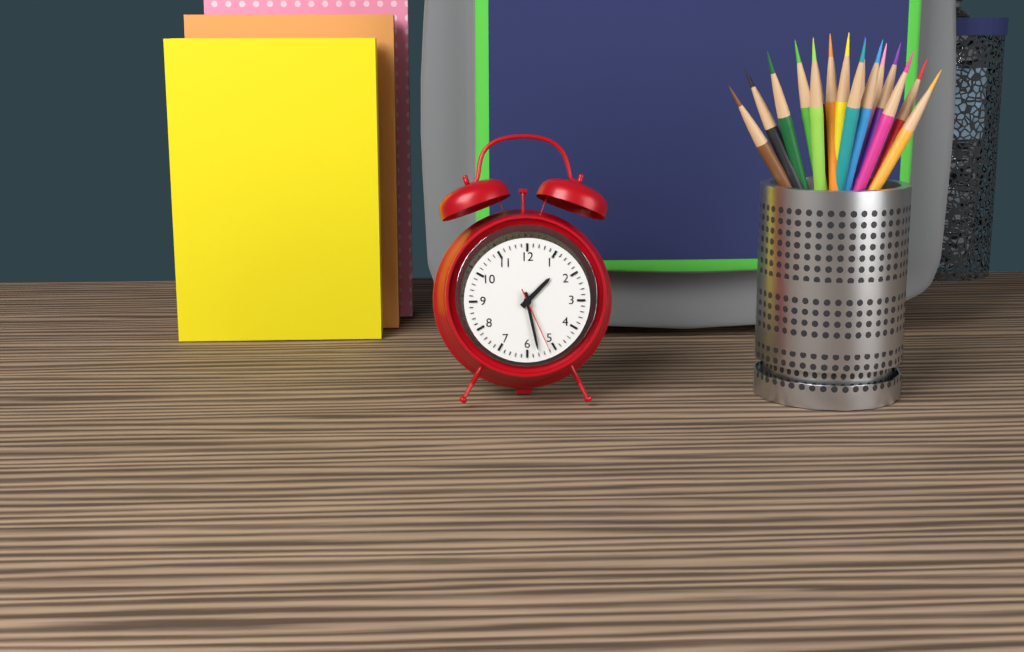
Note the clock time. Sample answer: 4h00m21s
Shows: 1h28m26s
